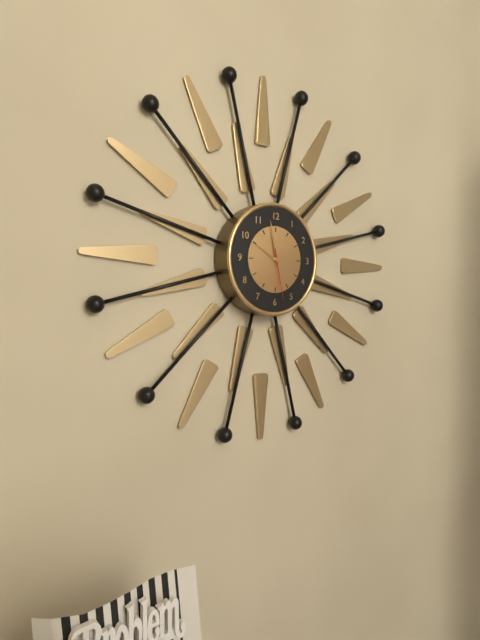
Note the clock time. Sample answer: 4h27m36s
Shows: 9h58m28s
